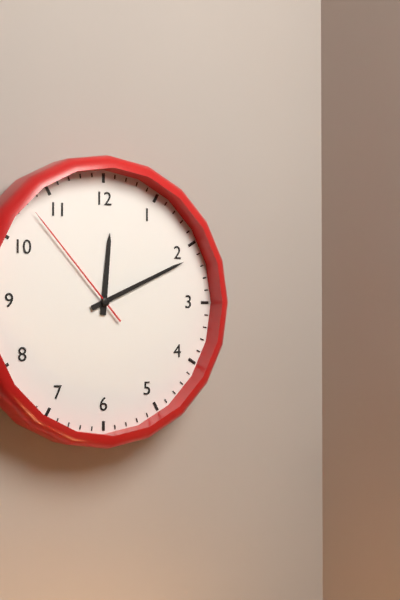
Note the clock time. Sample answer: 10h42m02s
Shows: 12h11m53s
